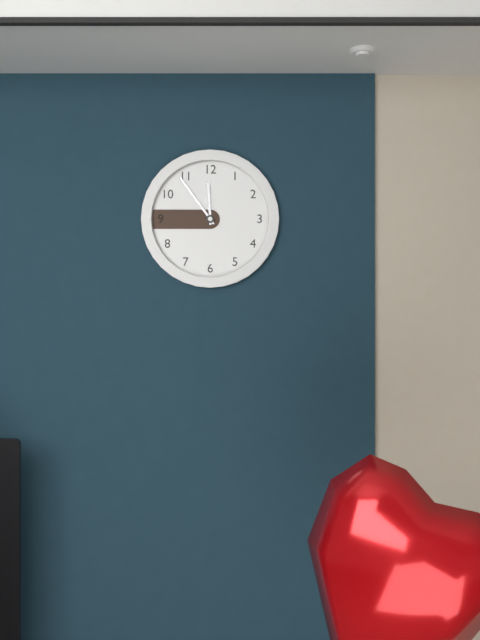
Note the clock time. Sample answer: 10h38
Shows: 11h54
